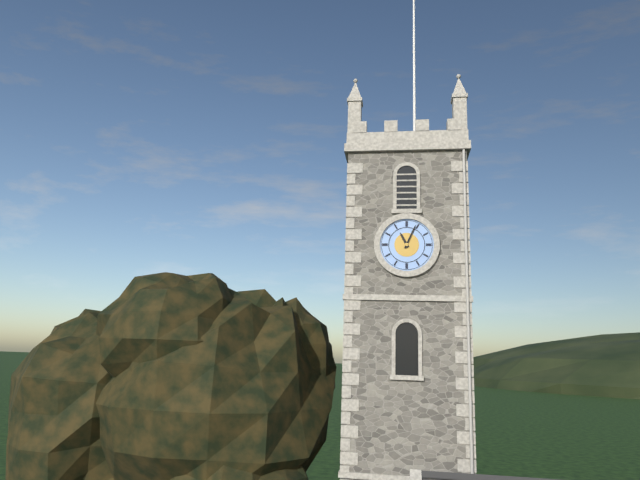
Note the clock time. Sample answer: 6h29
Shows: 11h04
